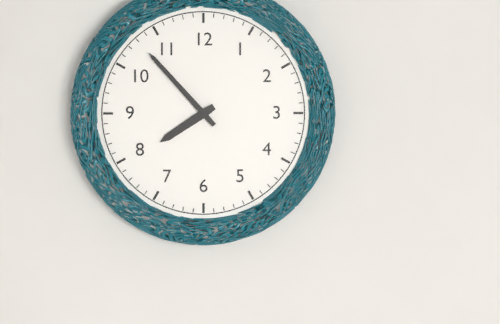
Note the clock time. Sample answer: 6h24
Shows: 7h53
